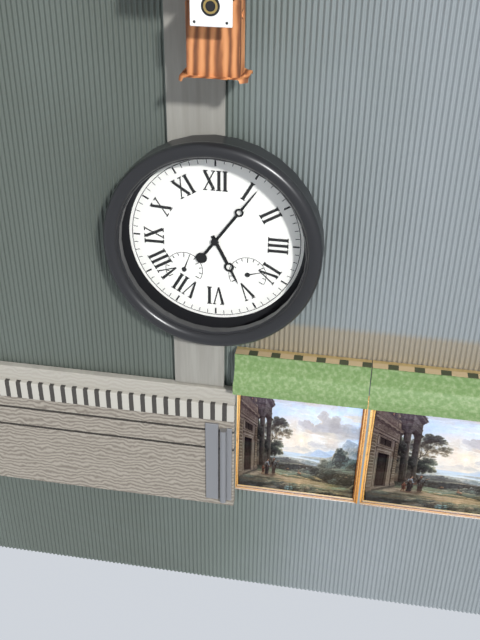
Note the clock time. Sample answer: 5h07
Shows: 5h06
